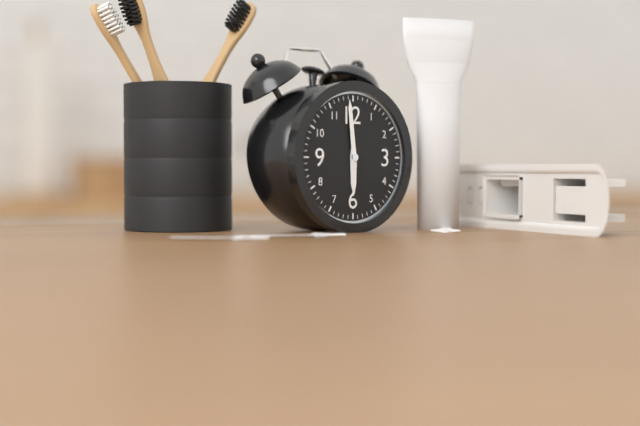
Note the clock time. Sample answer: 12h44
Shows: 5h59
